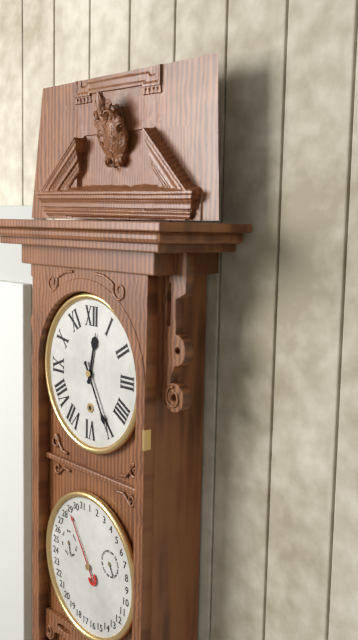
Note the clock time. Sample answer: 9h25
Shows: 12h25
